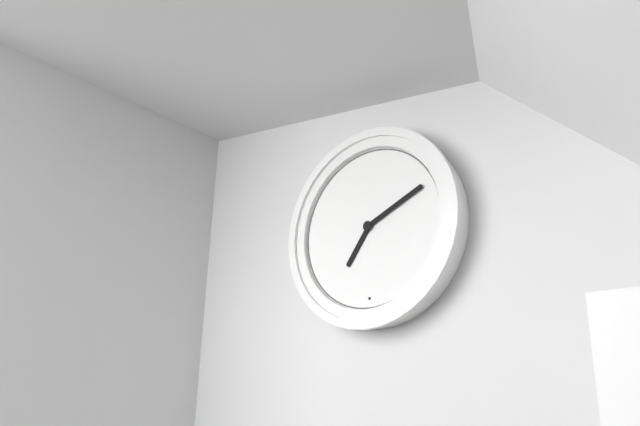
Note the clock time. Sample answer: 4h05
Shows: 7h11
